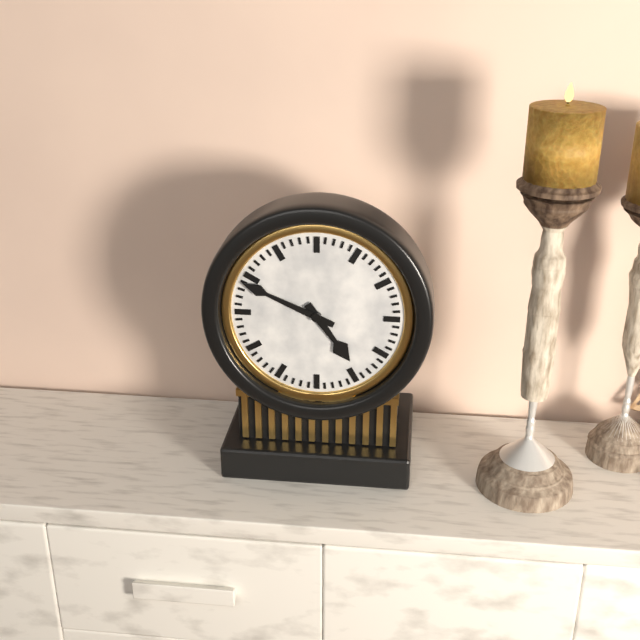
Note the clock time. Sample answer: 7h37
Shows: 4h49
